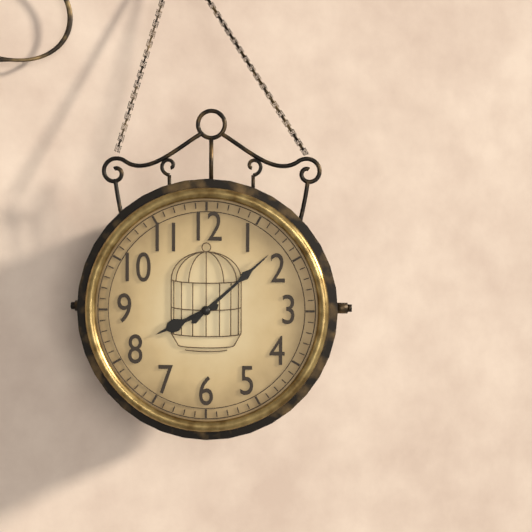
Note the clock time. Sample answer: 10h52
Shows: 8h08
